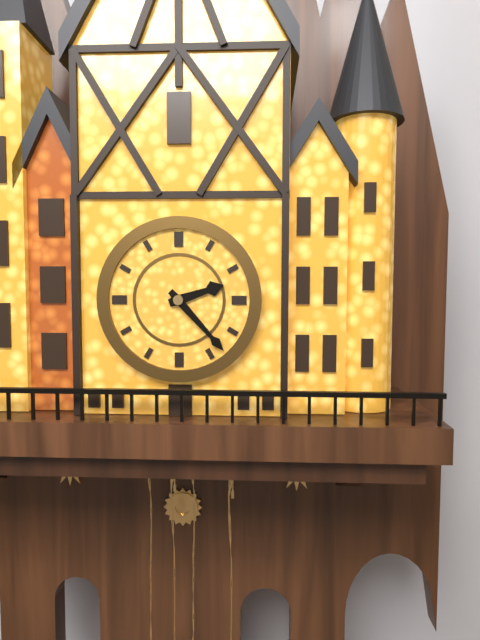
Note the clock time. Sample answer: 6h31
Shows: 2h23
